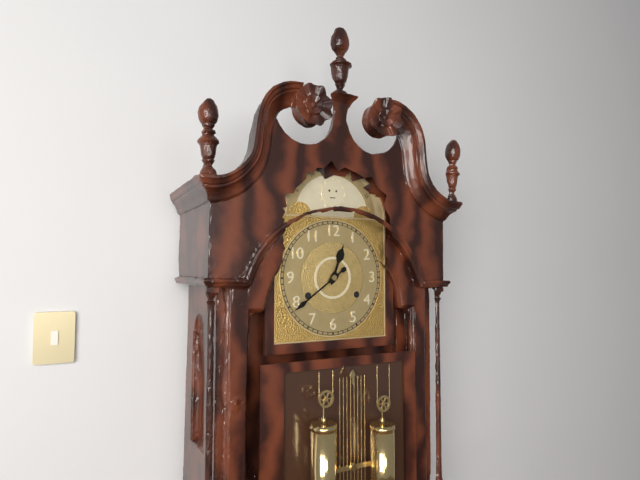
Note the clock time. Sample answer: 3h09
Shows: 12h39
